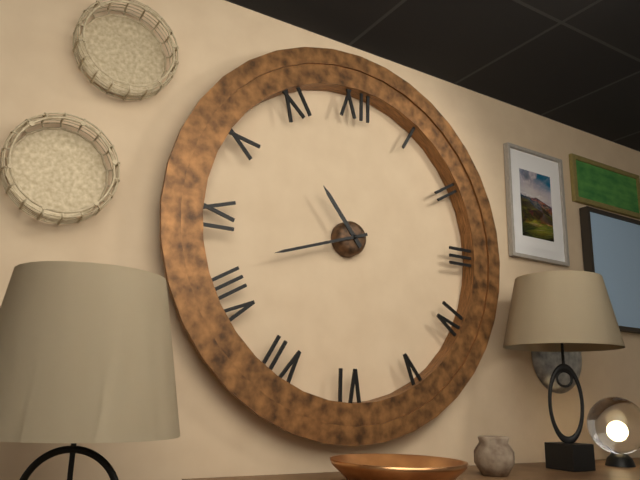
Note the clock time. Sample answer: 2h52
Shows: 10h42
